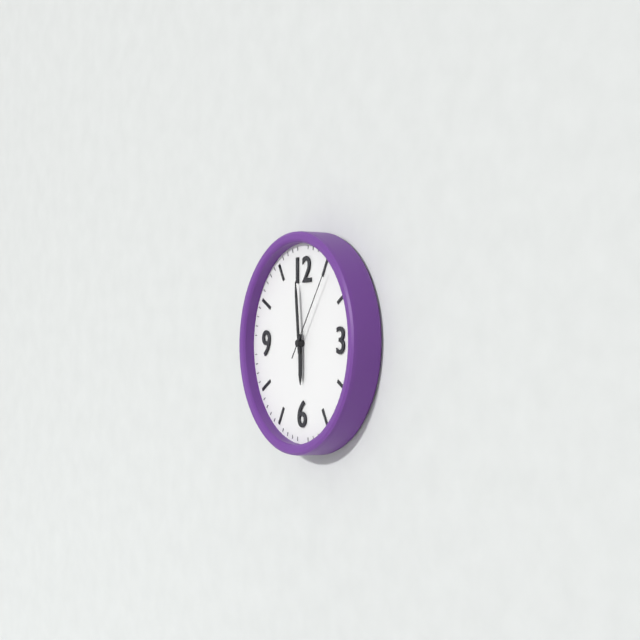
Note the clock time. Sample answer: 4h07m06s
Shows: 5h59m06s
